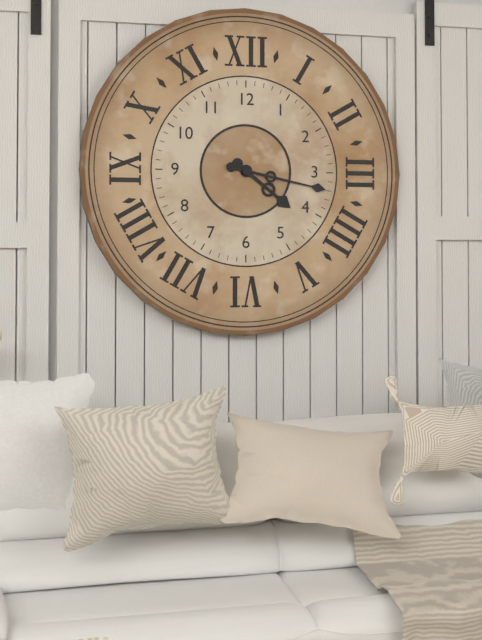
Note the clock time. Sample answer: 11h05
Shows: 4h17
